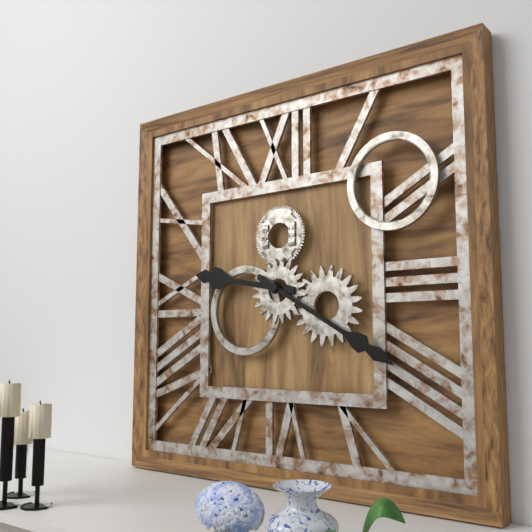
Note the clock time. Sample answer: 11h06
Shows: 9h20
